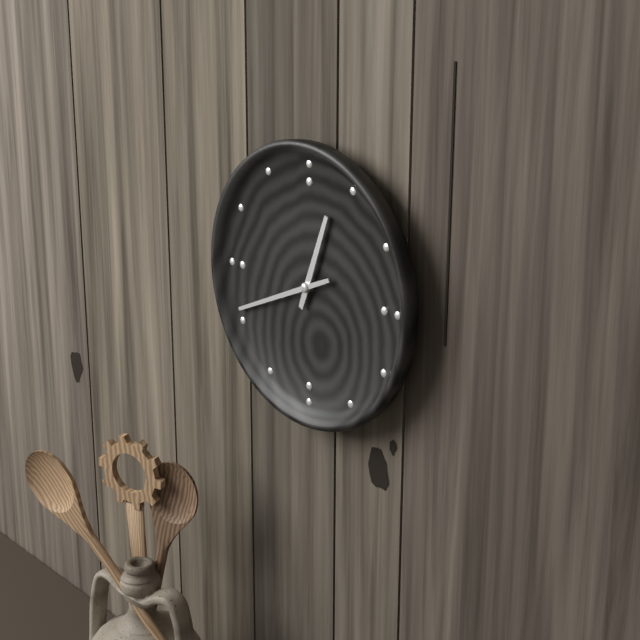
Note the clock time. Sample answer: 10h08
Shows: 12h41
